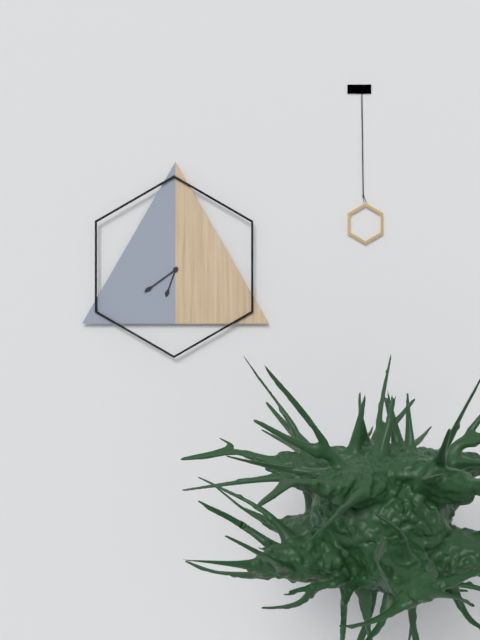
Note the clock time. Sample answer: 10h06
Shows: 6h39
